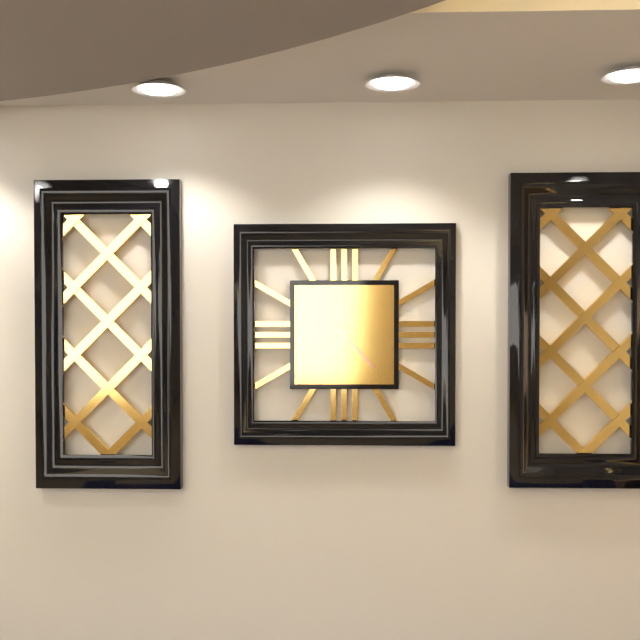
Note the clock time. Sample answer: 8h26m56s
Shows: 7h23m00s
